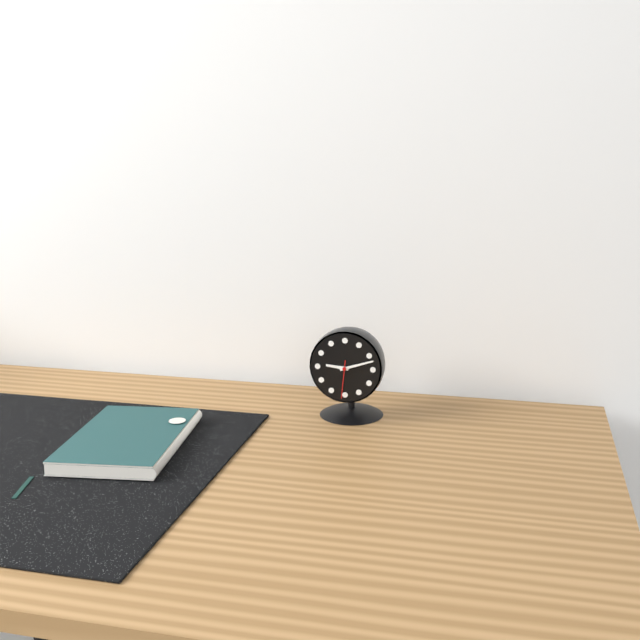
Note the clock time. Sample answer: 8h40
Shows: 9h12
